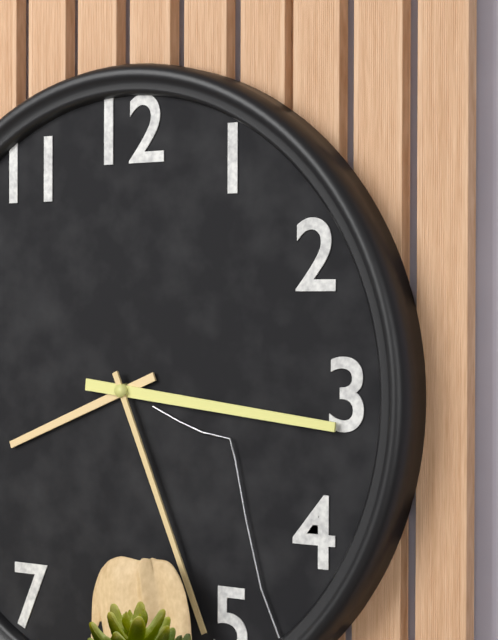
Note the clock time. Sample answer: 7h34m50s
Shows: 8h16m26s
